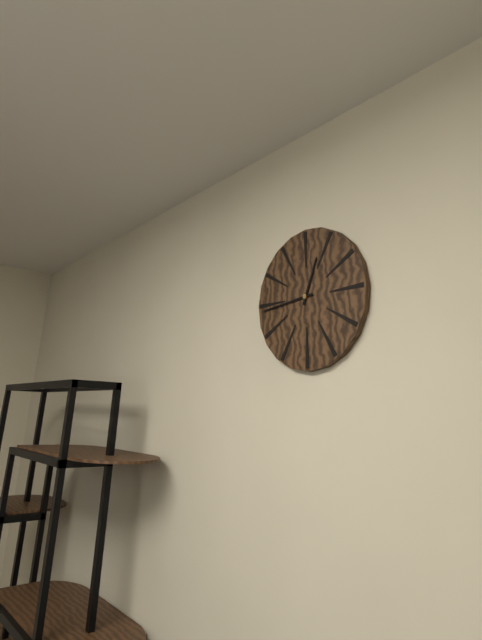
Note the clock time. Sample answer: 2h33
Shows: 12h44
